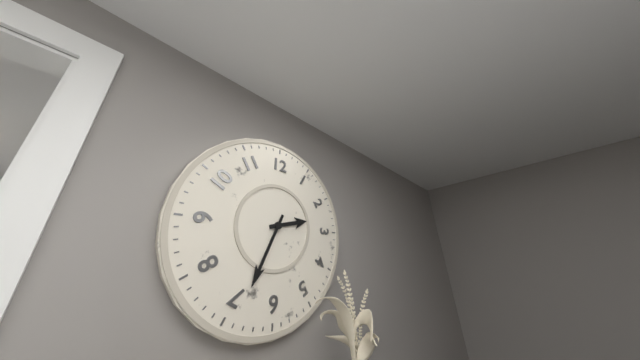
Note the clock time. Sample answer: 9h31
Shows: 2h34
